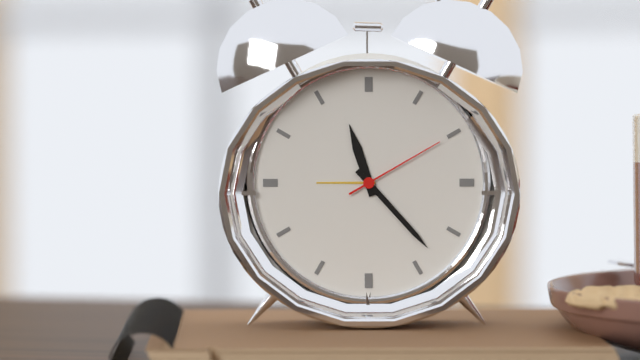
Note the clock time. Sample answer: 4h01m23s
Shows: 11h23m10s
